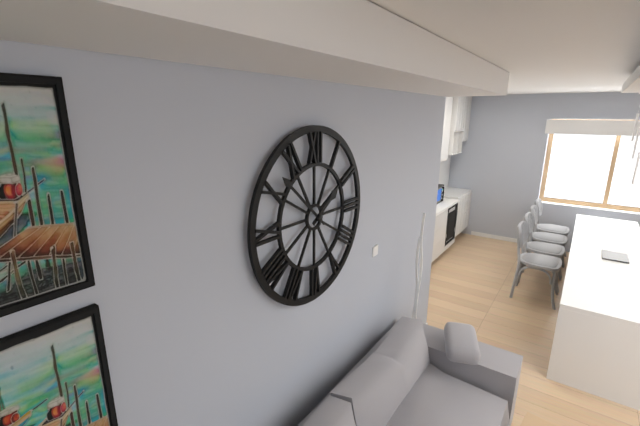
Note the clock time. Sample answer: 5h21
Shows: 1h52
